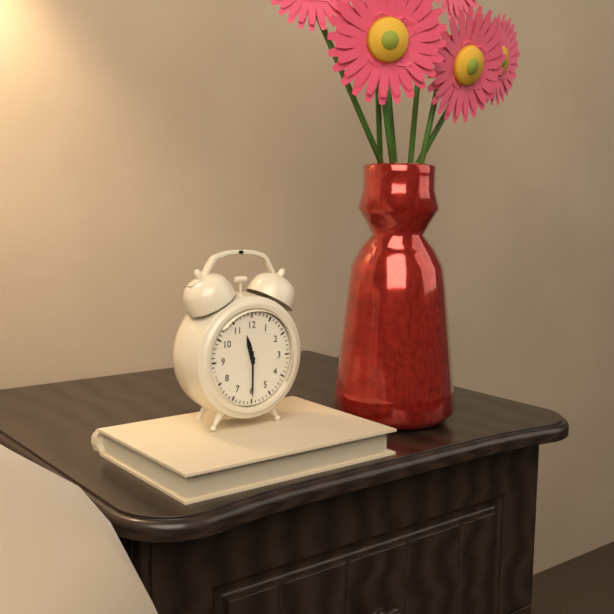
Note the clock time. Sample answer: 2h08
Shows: 11h30
